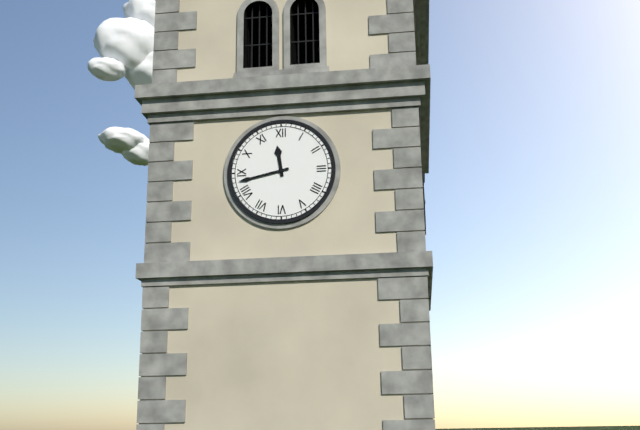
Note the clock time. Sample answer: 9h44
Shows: 11h43
